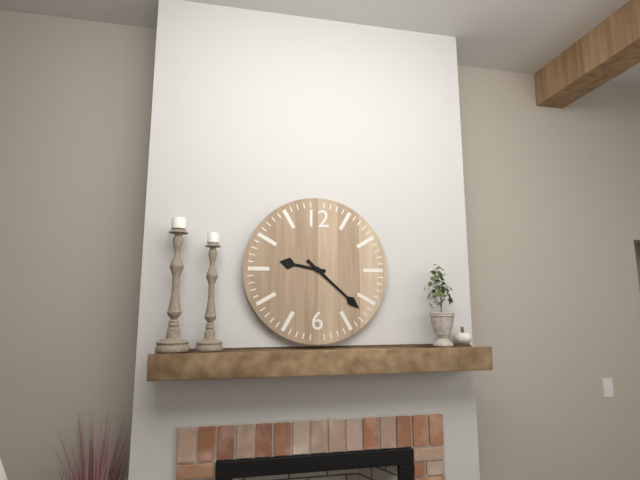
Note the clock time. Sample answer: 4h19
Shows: 9h22
